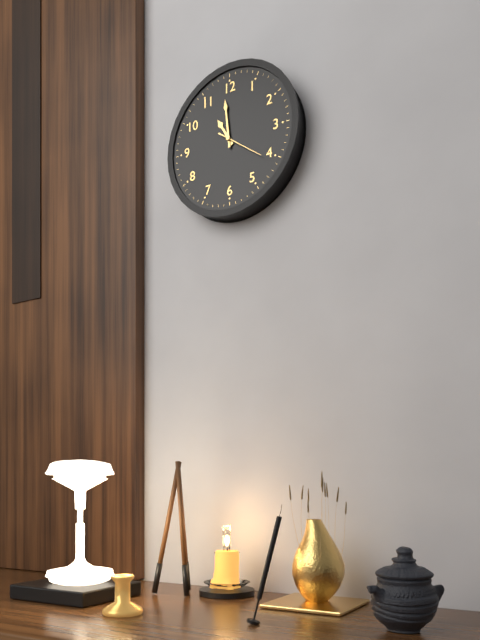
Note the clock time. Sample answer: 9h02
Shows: 10h59
